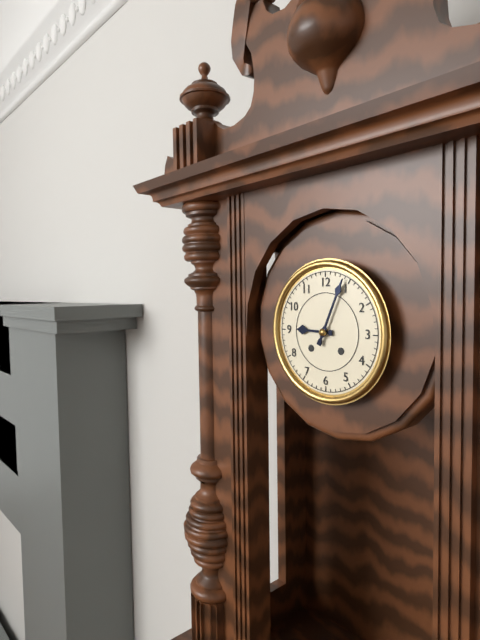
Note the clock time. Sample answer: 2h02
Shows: 9h04
